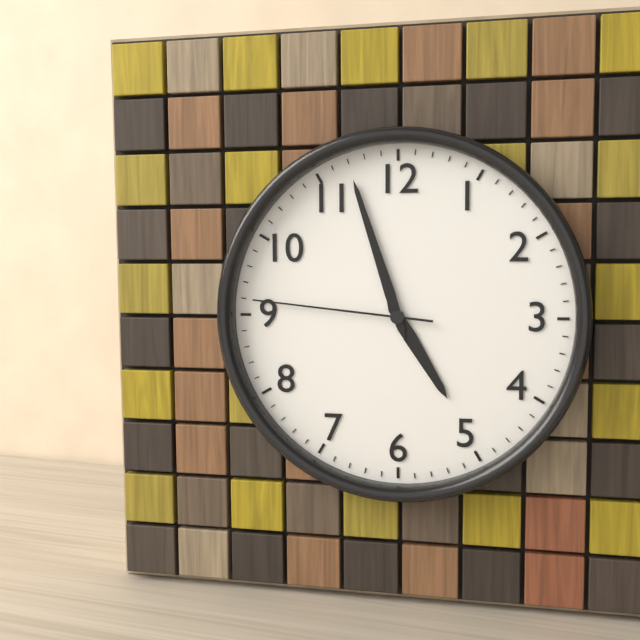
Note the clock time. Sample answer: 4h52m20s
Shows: 4h57m46s
